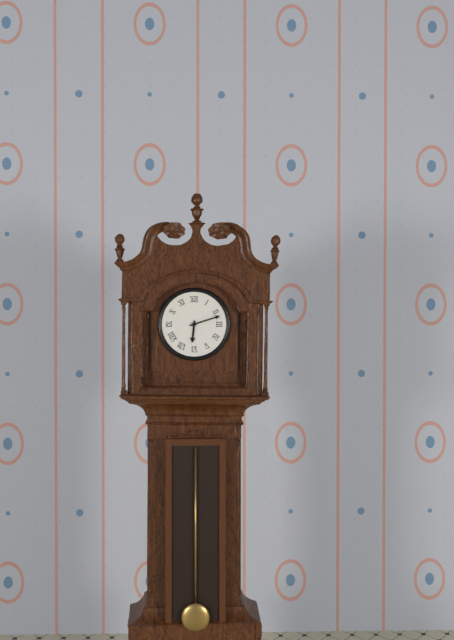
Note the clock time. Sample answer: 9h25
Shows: 6h12
